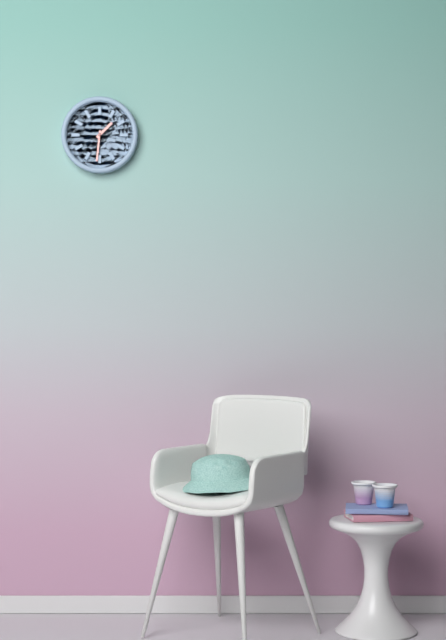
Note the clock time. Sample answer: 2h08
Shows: 1h31
